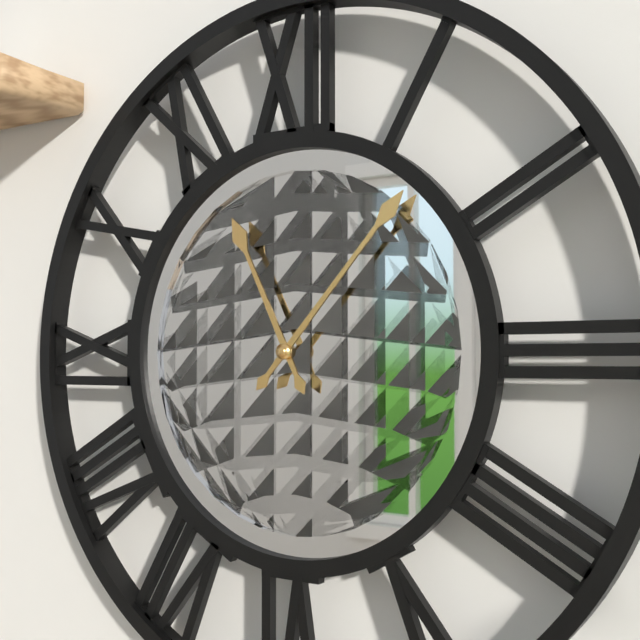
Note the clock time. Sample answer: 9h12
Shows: 11h07
